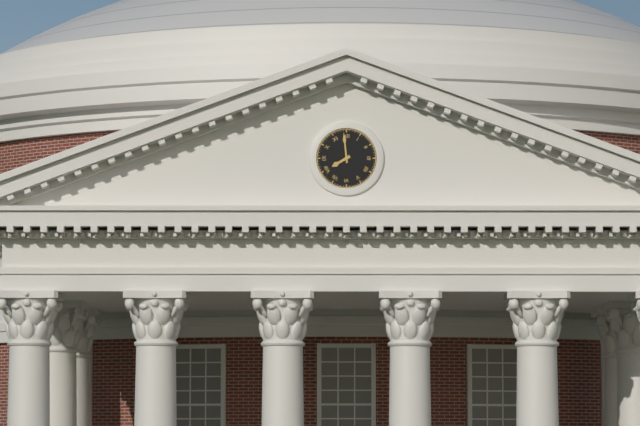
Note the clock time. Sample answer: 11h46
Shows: 7h59
